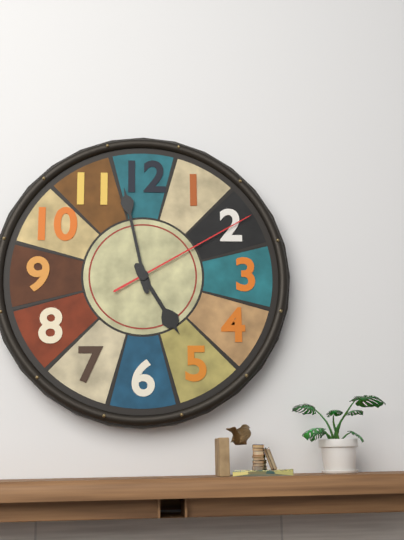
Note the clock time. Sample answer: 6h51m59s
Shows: 4h58m10s
